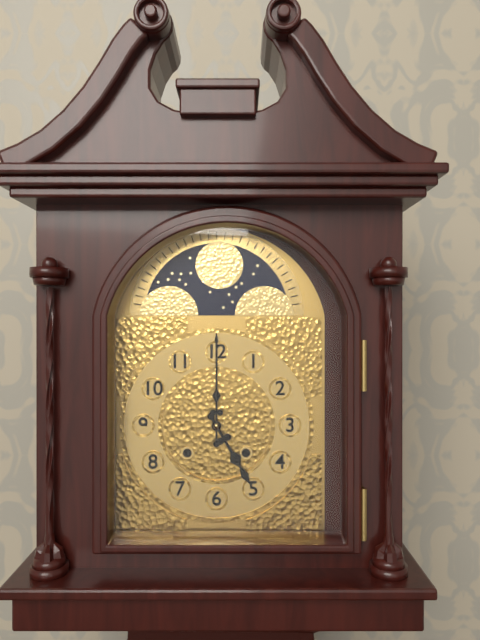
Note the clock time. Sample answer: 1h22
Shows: 5h00
